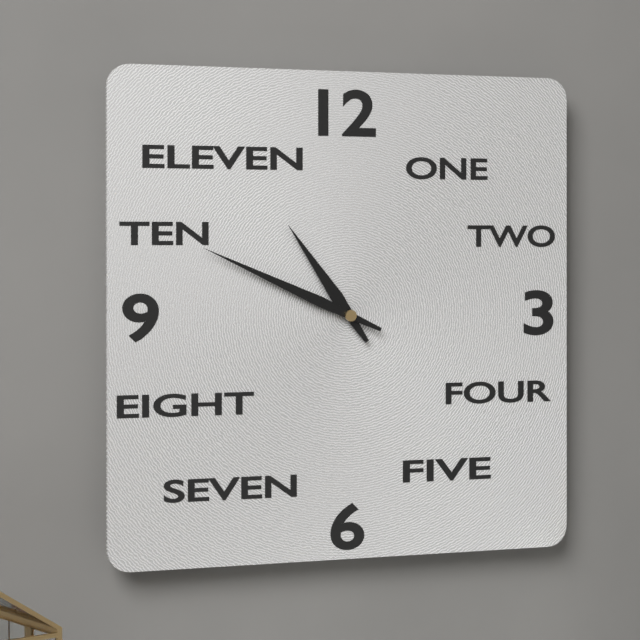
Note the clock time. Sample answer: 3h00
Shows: 10h49
